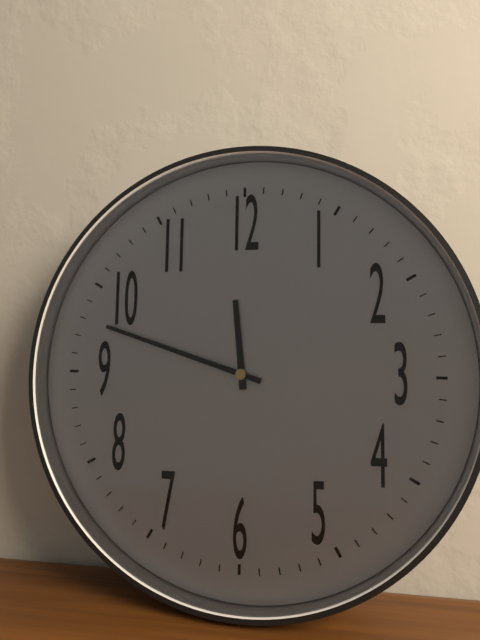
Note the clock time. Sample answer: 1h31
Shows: 11h48
